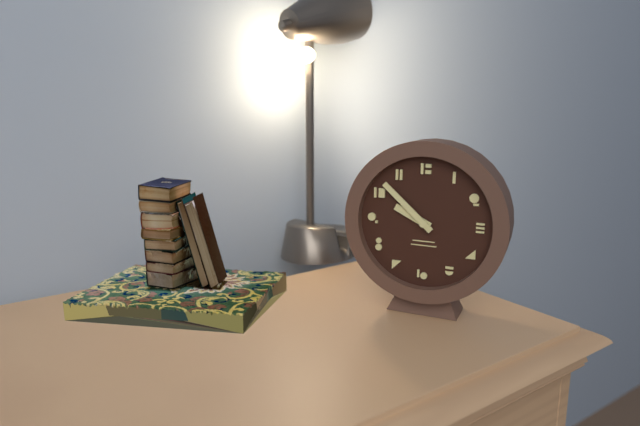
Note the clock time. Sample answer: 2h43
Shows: 9h52
